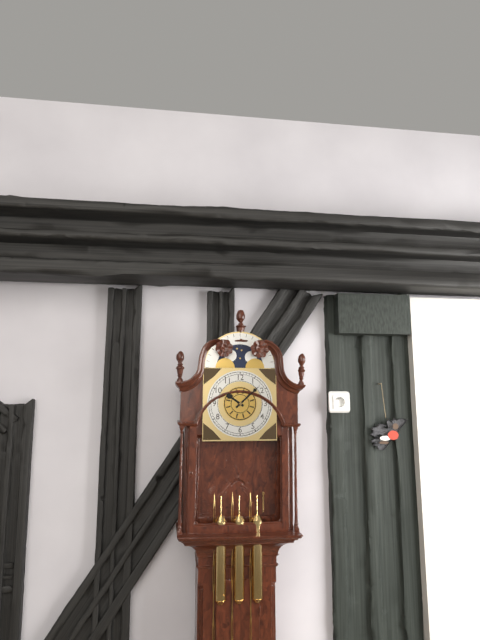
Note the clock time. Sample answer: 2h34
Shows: 10h08
